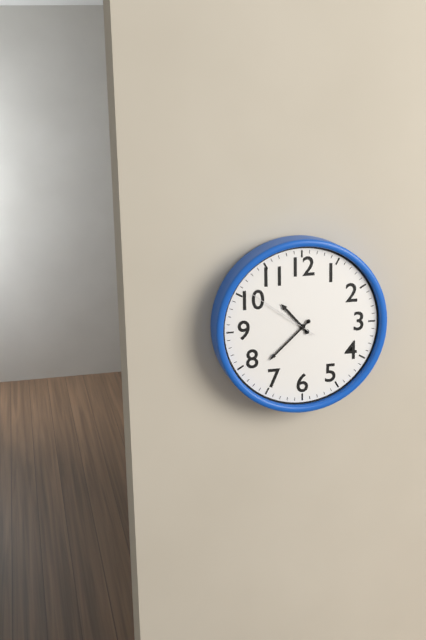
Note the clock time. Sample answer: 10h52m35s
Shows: 10h38m51s
